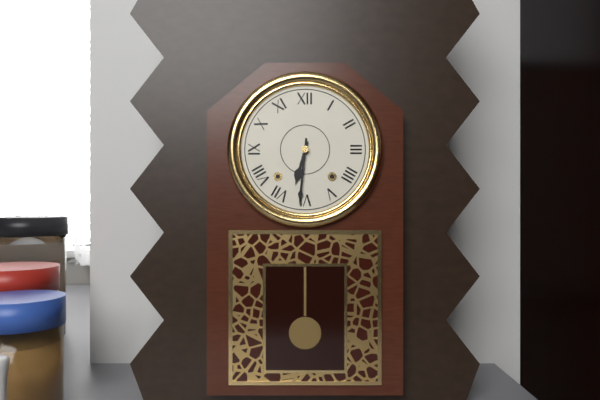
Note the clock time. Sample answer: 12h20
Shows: 6h31
